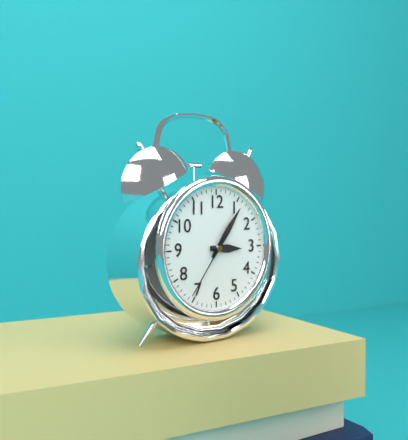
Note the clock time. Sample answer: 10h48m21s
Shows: 3h06m36s
